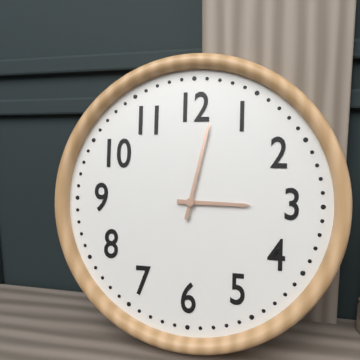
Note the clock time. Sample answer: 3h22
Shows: 3h02
